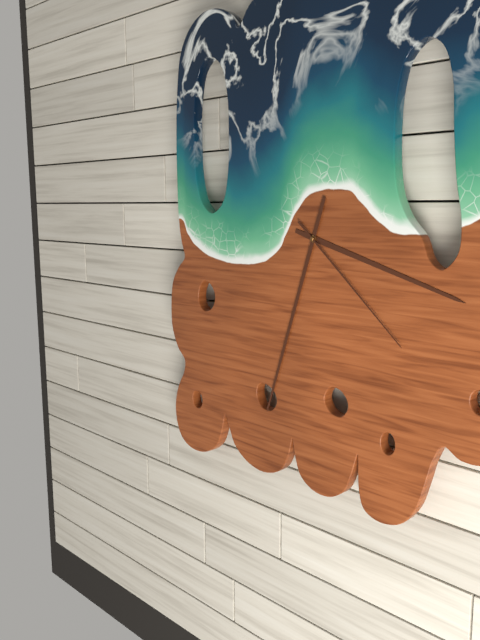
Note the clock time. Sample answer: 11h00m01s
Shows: 3h33m22s
